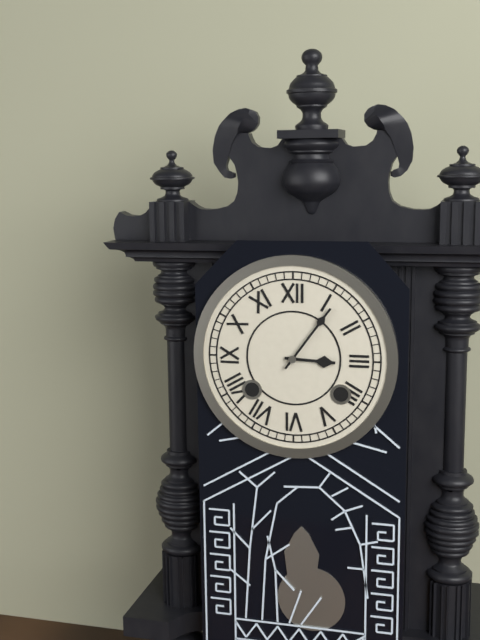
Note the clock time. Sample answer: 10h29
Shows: 3h06
